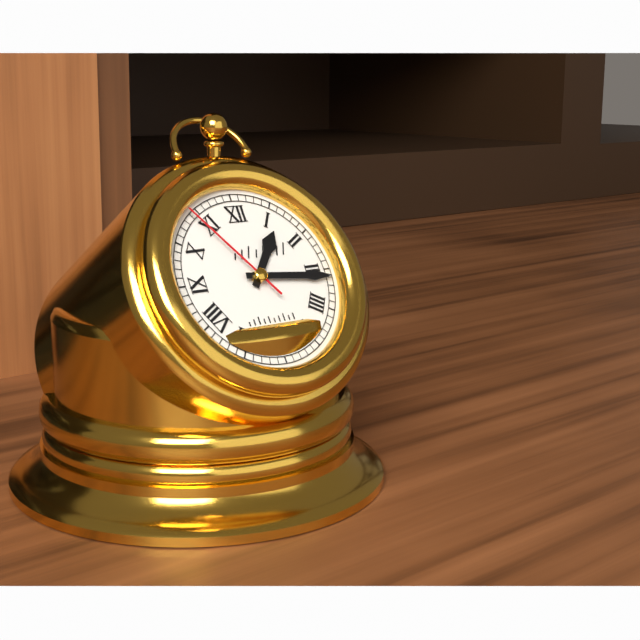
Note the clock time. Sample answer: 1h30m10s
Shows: 1h16m54s
